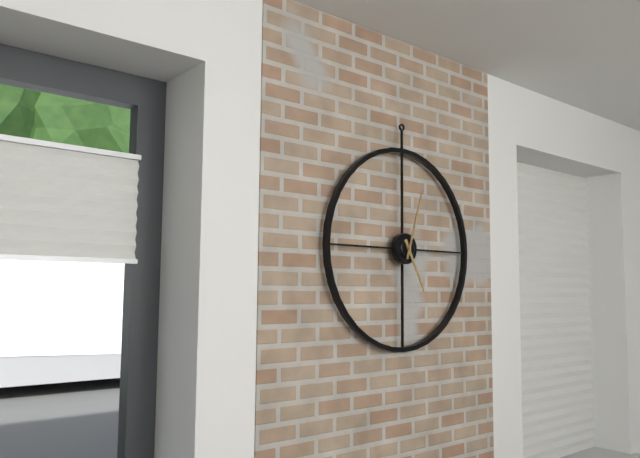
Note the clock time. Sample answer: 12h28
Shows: 5h03
